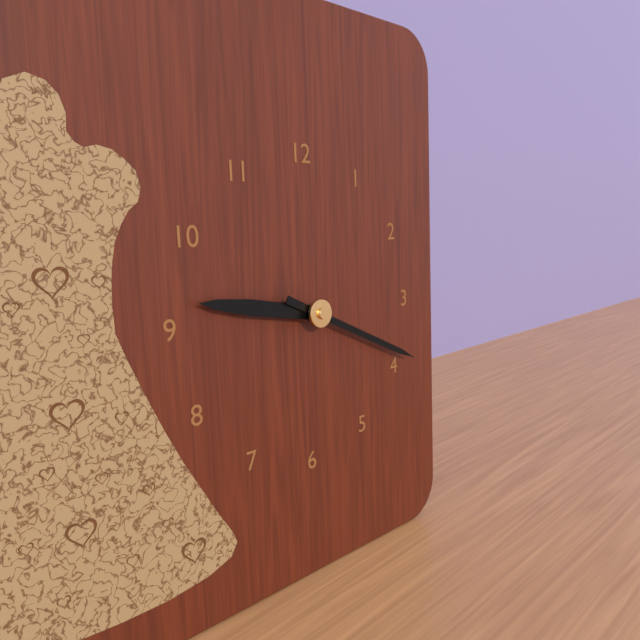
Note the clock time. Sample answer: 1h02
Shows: 9h19
